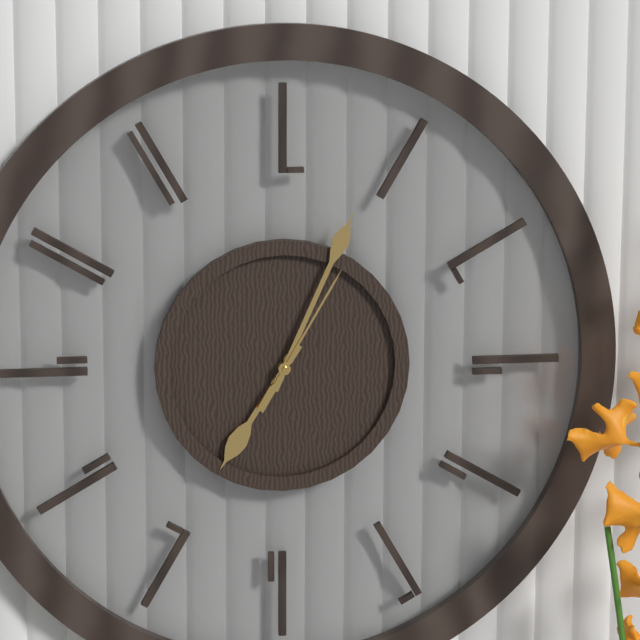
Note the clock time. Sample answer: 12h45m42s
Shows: 7h04m05s
